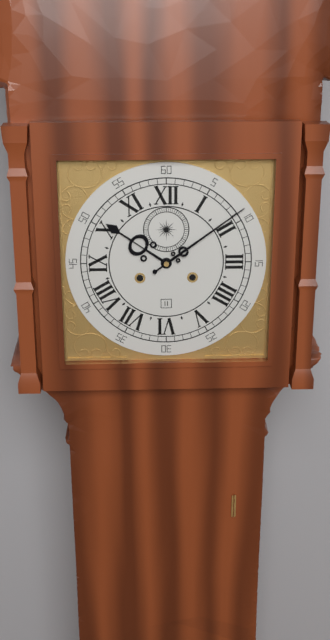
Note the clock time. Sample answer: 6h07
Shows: 10h09
